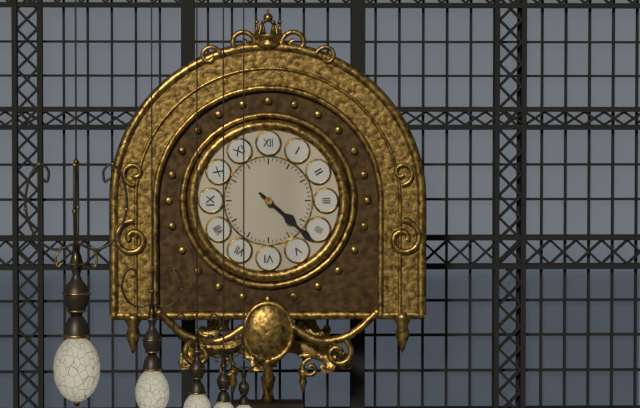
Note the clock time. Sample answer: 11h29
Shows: 4h22
